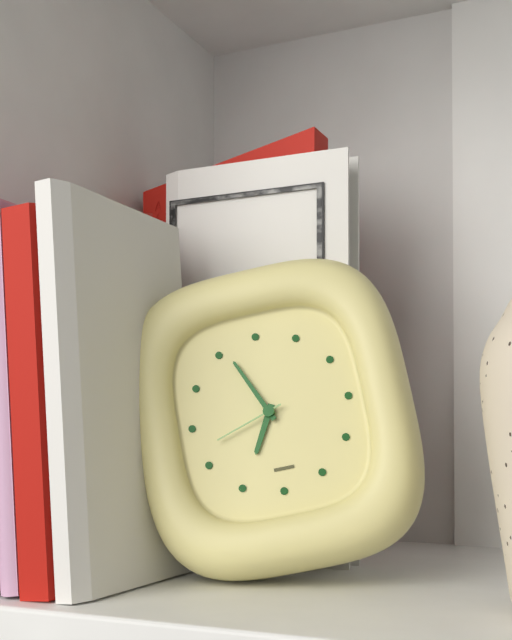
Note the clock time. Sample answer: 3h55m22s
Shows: 6h56m42s
